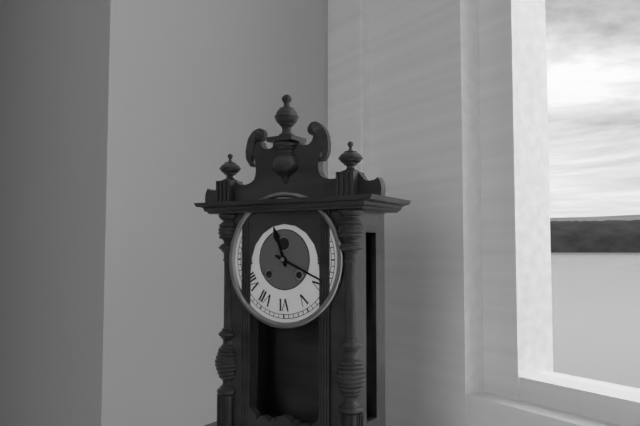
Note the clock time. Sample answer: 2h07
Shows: 11h19
